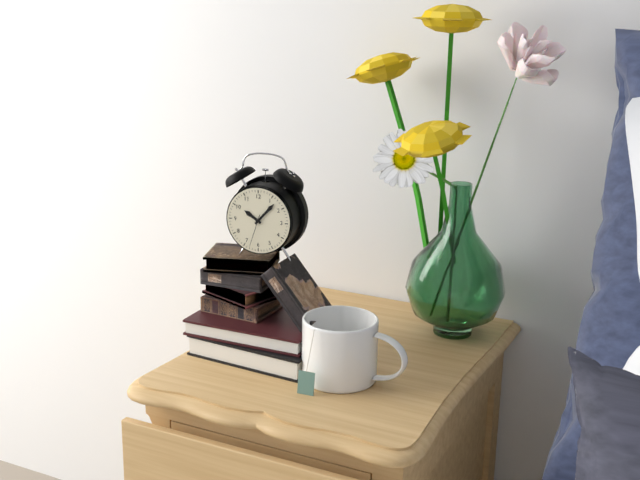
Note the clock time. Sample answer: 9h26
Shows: 10h07
